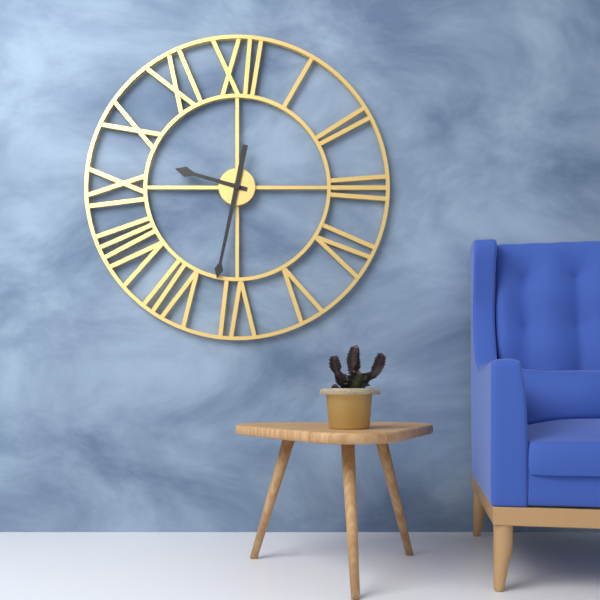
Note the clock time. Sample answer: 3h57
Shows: 9h32
